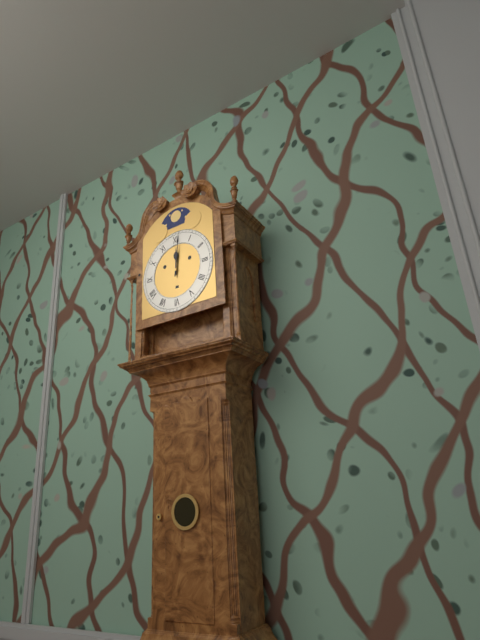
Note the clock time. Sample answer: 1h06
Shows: 12h01
